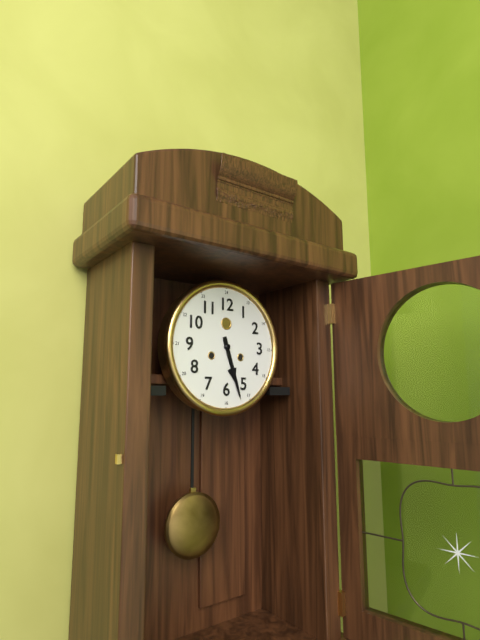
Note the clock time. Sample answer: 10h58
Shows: 5h27
